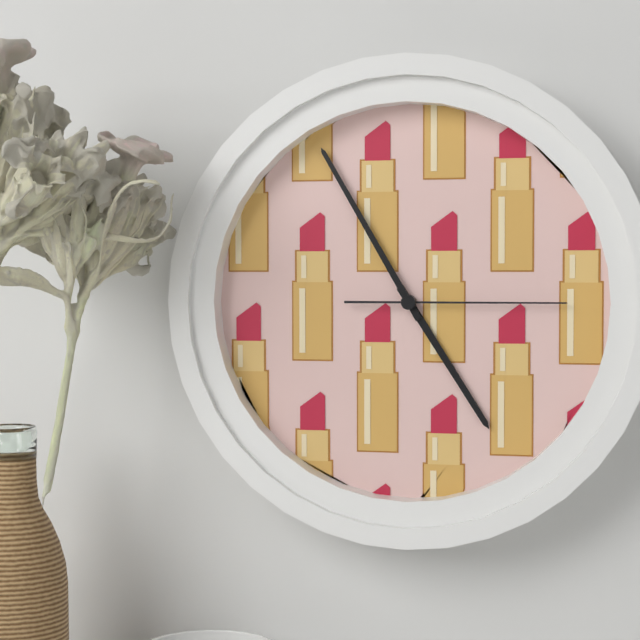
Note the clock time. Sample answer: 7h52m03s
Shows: 4h55m15s
